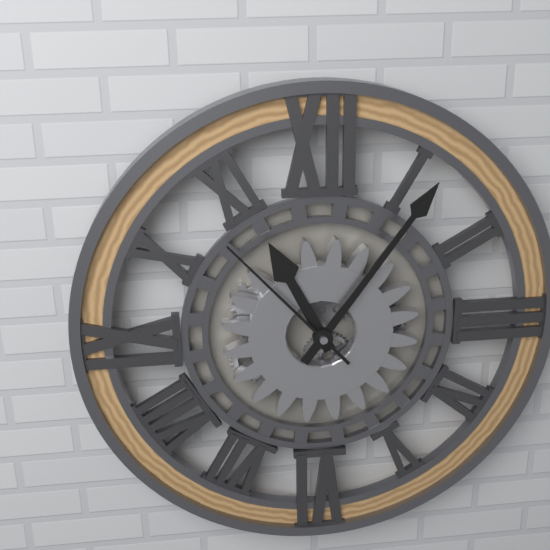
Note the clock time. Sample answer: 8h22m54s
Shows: 11h06m53s
